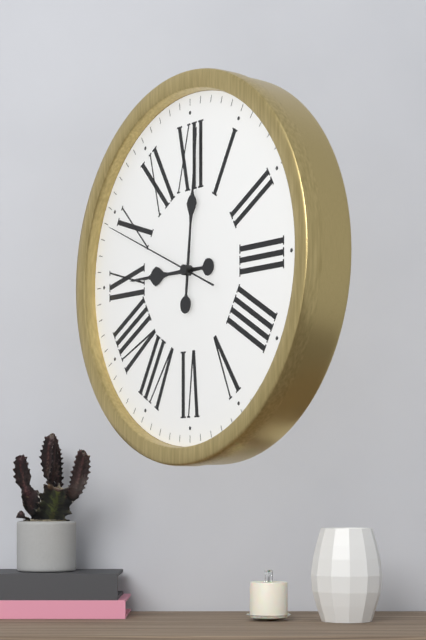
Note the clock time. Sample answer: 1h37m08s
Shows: 9h01m49s
